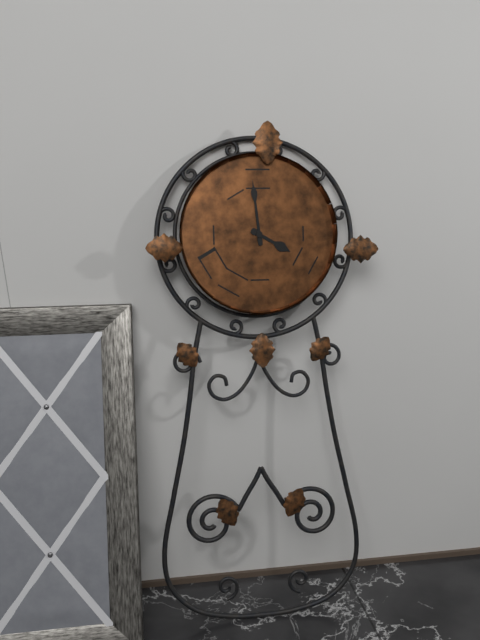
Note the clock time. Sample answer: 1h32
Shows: 3h59
